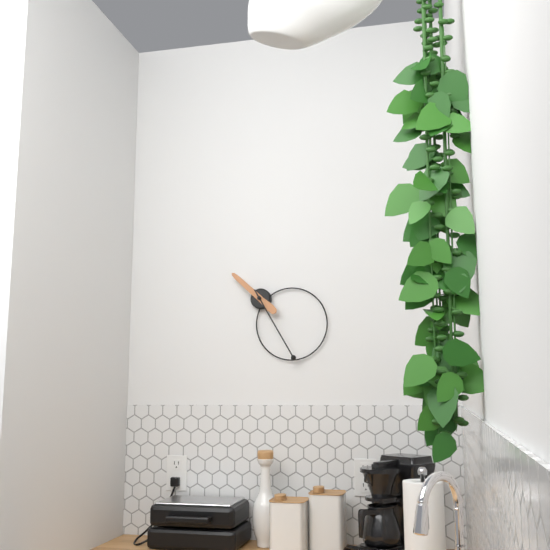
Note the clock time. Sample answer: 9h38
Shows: 10h25
